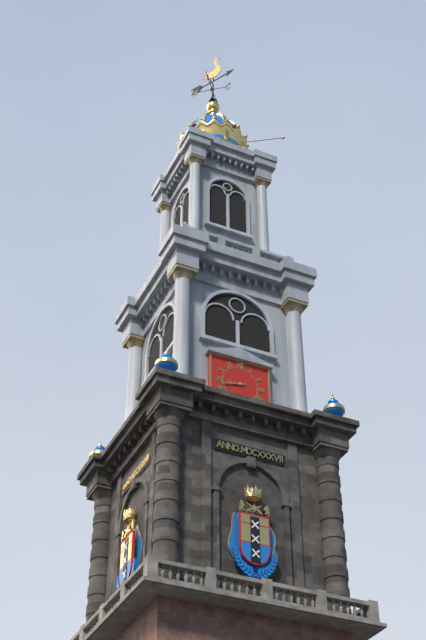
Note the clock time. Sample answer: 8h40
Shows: 8h43
